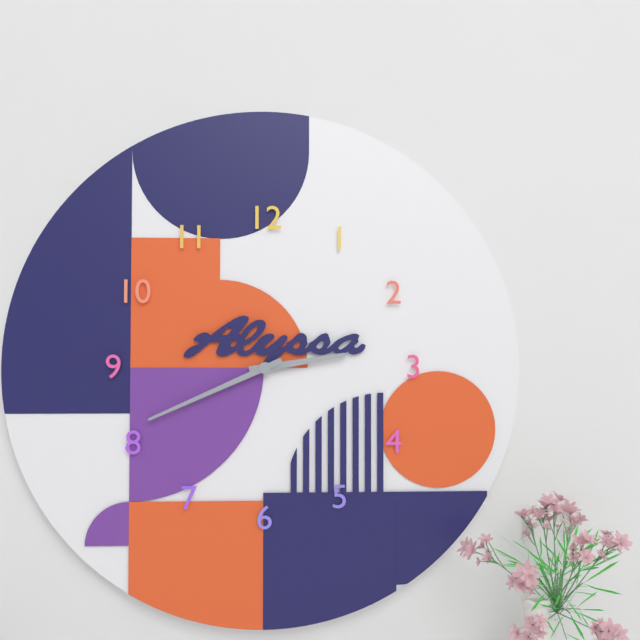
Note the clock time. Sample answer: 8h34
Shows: 2h41
